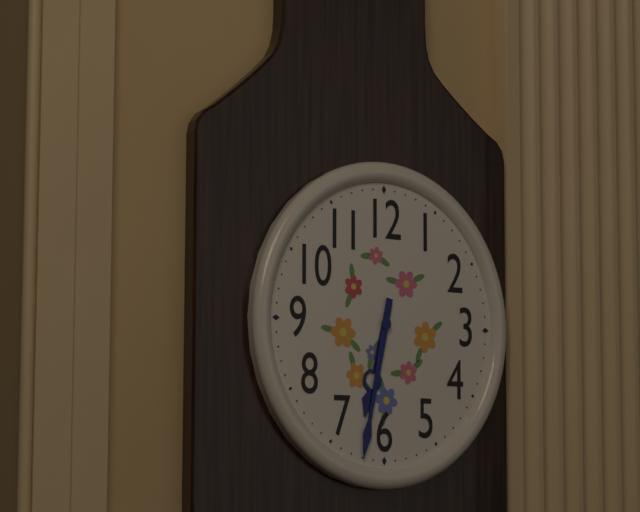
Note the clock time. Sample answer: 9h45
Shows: 6h32
